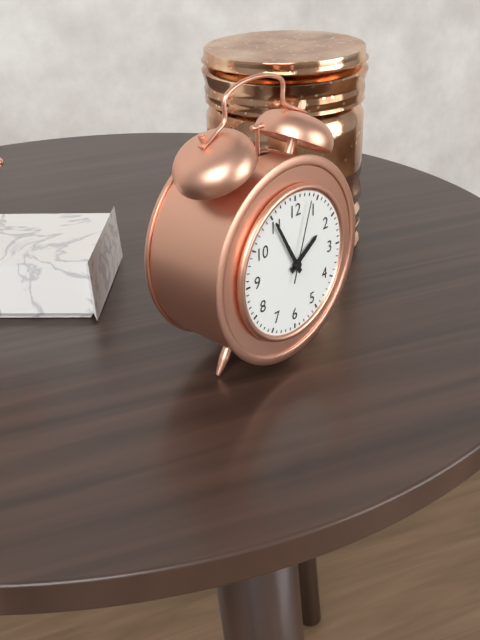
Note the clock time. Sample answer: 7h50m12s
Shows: 1h55m03s
